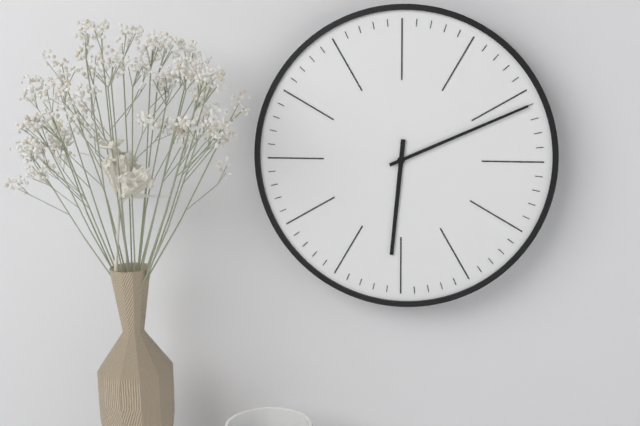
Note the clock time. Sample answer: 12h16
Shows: 6h11
